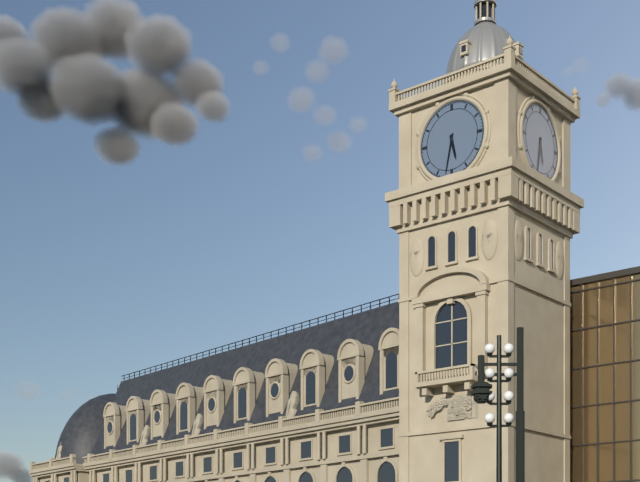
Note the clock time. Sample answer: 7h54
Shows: 5h32
